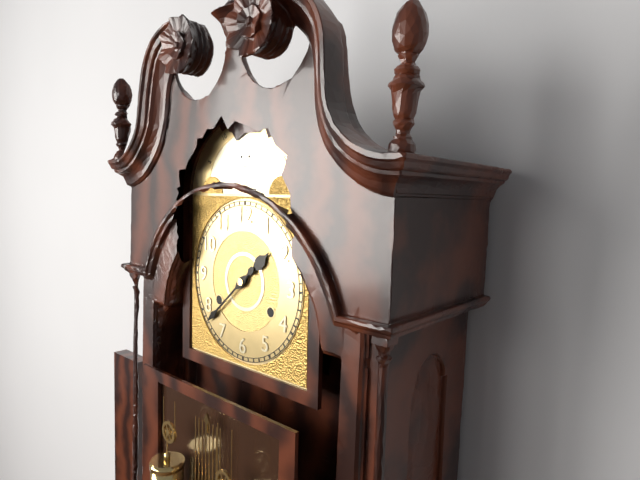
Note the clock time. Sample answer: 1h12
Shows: 1h38
